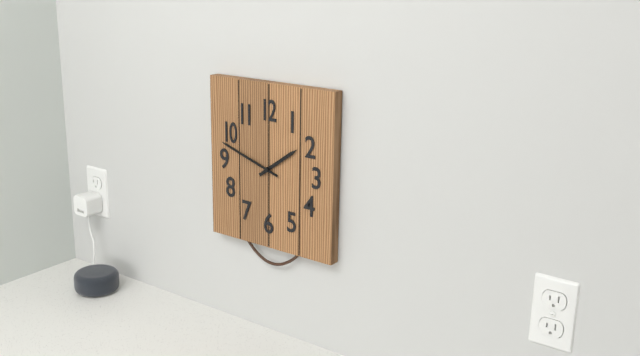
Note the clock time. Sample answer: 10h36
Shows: 1h48
